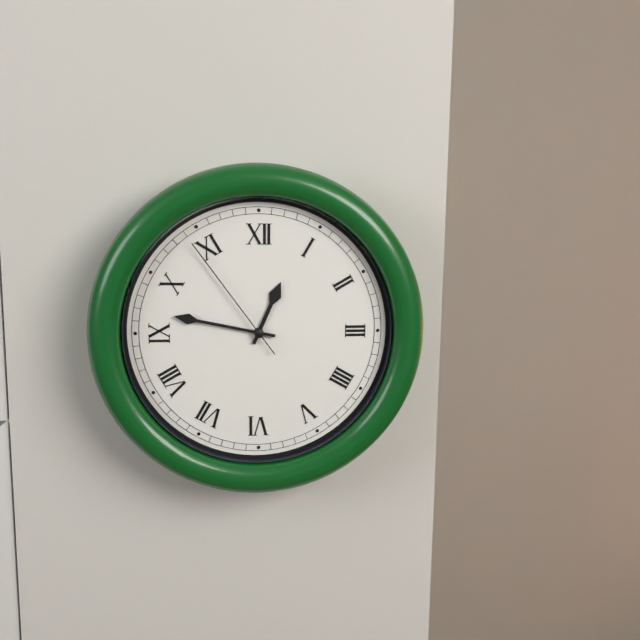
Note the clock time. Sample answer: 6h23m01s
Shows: 12h47m54s
